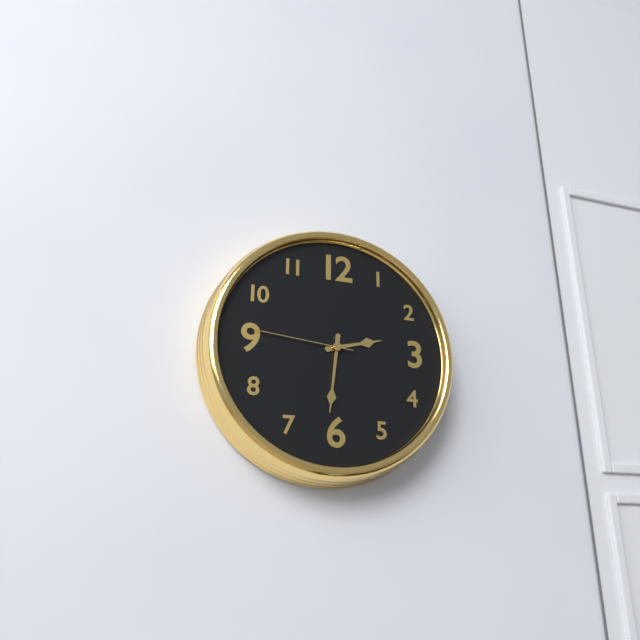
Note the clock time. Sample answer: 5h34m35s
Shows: 2h31m46s
